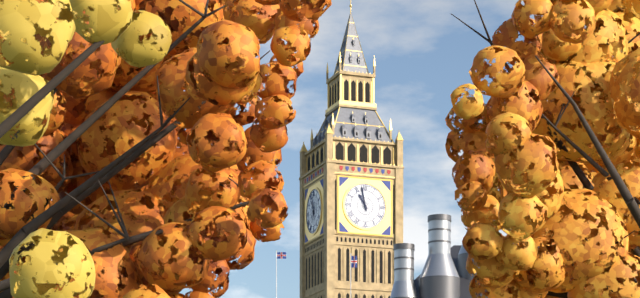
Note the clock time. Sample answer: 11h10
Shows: 10h58
